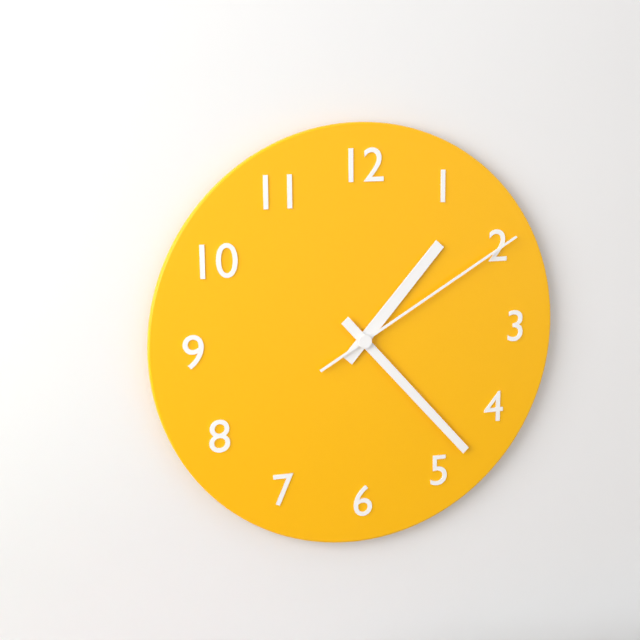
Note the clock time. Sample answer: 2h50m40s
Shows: 1h23m10s
